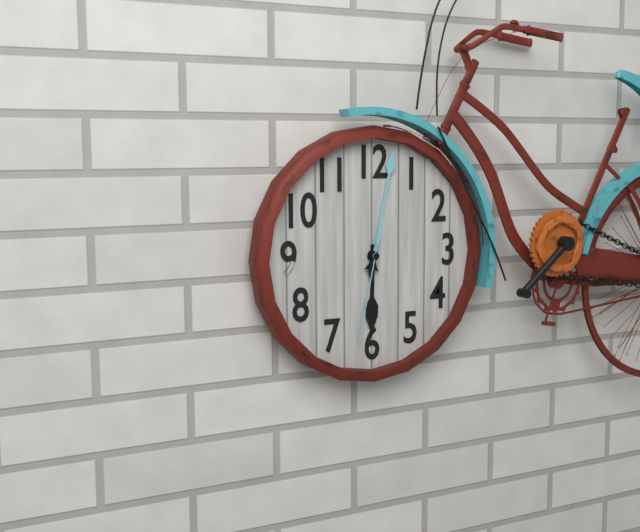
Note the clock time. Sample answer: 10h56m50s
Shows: 6h02m32s
